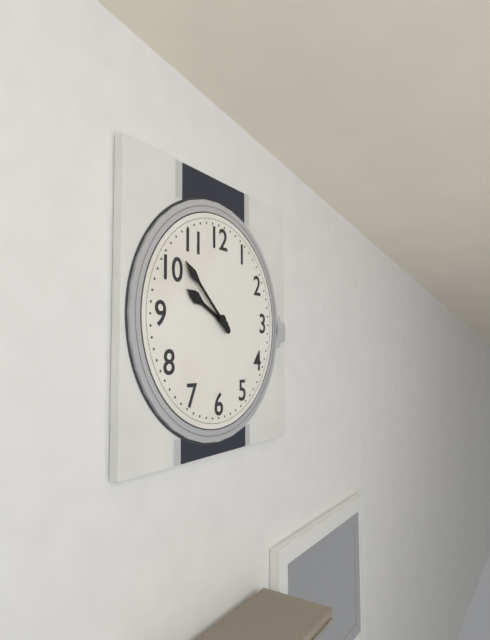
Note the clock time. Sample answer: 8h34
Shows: 9h52
